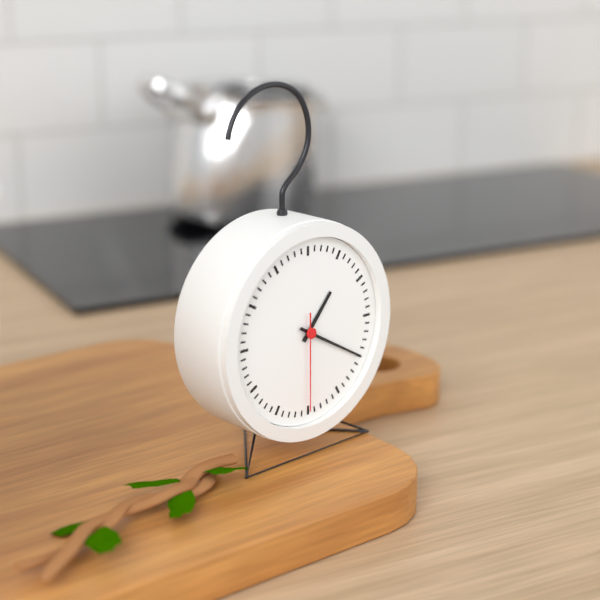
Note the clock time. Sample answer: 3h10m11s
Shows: 1h20m30s
